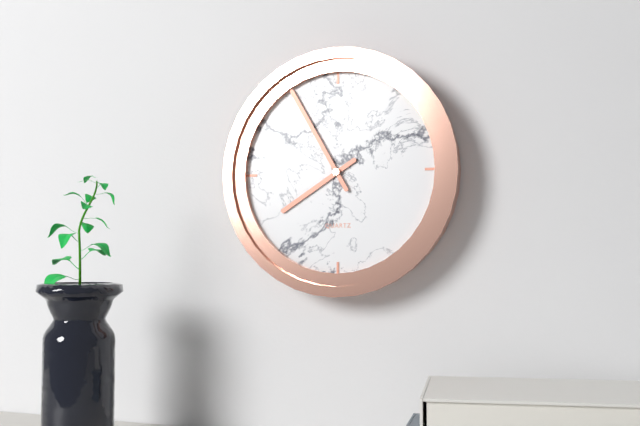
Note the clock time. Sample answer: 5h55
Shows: 7h55
